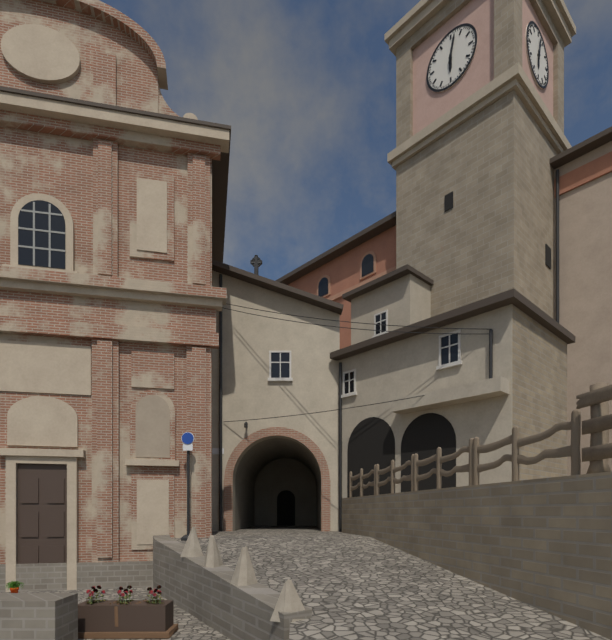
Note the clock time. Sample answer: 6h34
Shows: 6h02
